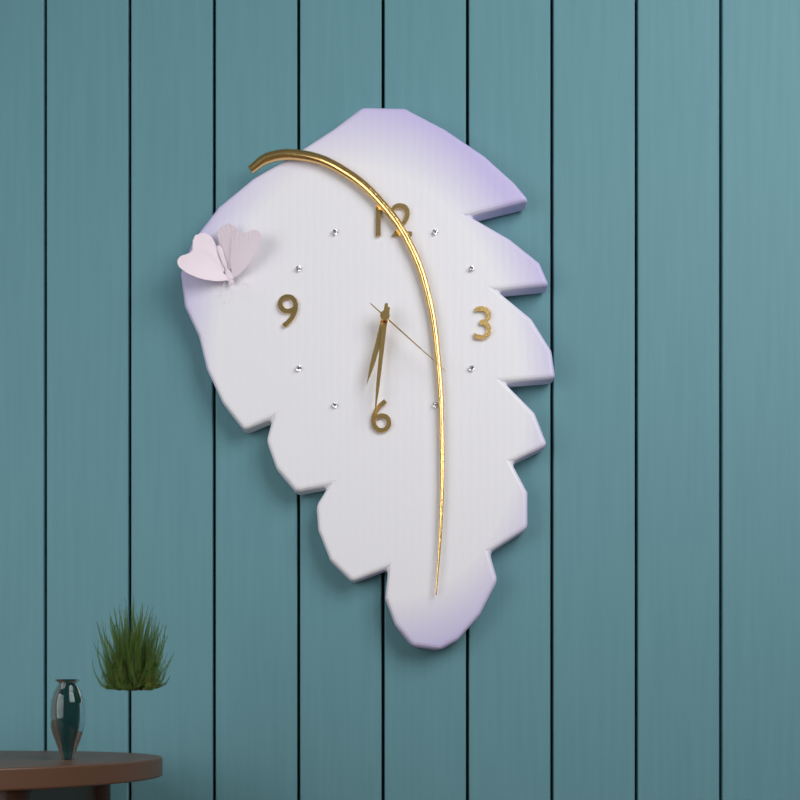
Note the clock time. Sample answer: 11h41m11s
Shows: 6h31m22s
